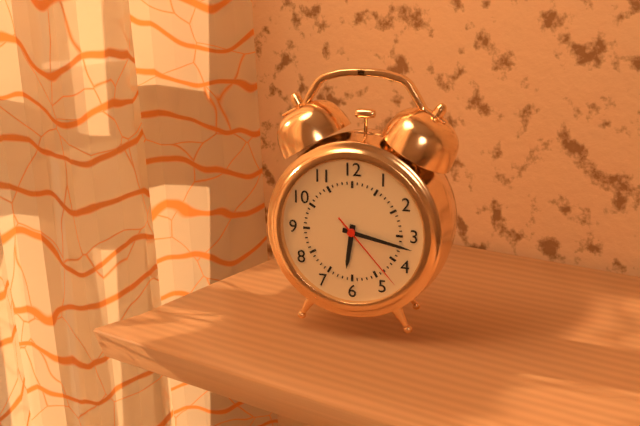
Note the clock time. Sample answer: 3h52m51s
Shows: 6h17m23s
